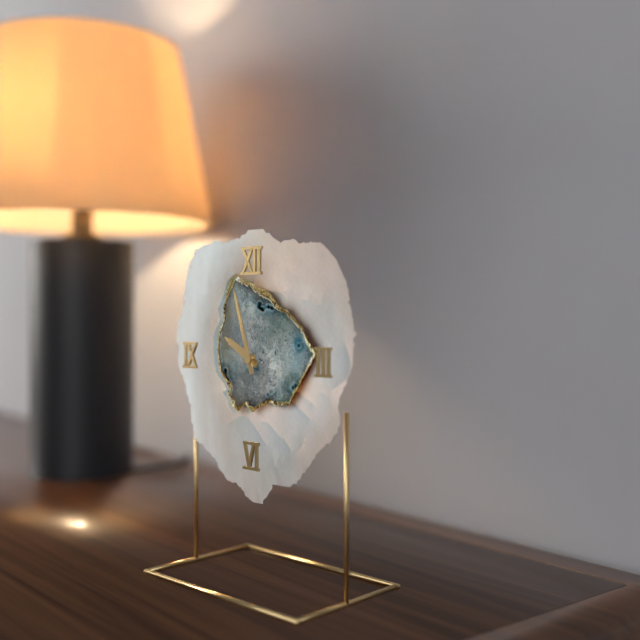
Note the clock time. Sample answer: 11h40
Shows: 9h57
